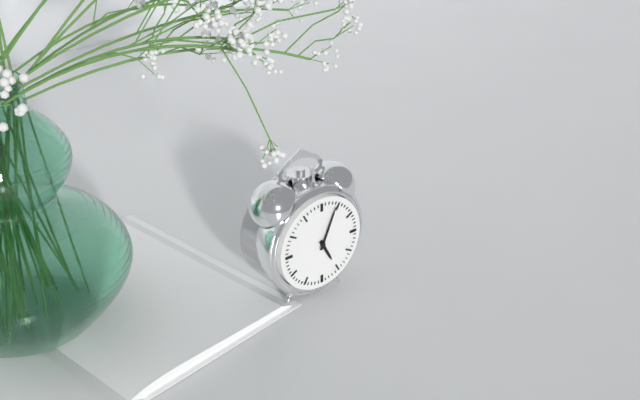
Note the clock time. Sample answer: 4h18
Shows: 5h04
